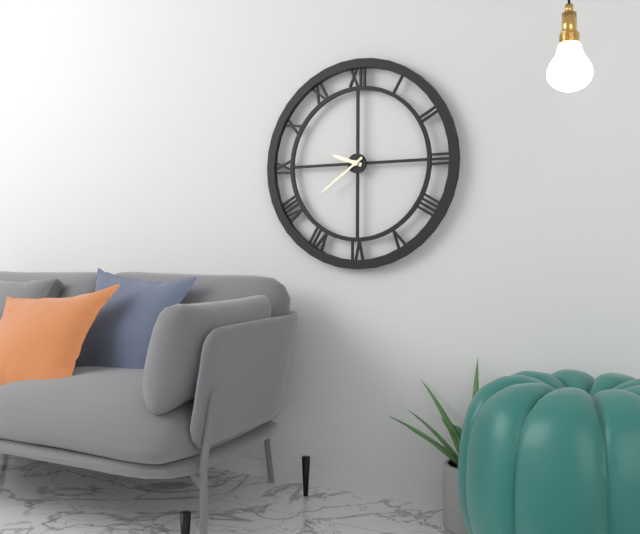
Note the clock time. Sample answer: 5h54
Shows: 9h39
